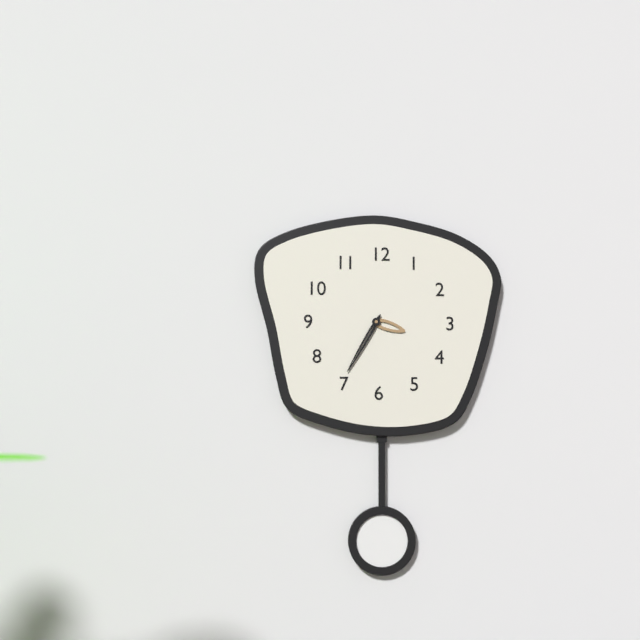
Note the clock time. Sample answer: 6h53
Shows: 3h35
